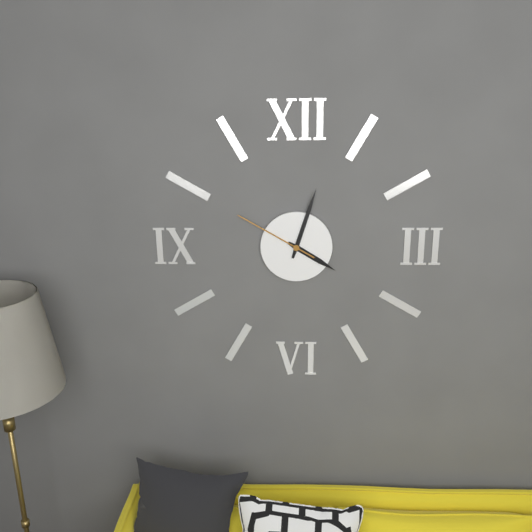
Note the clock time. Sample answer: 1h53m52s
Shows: 4h03m50s
